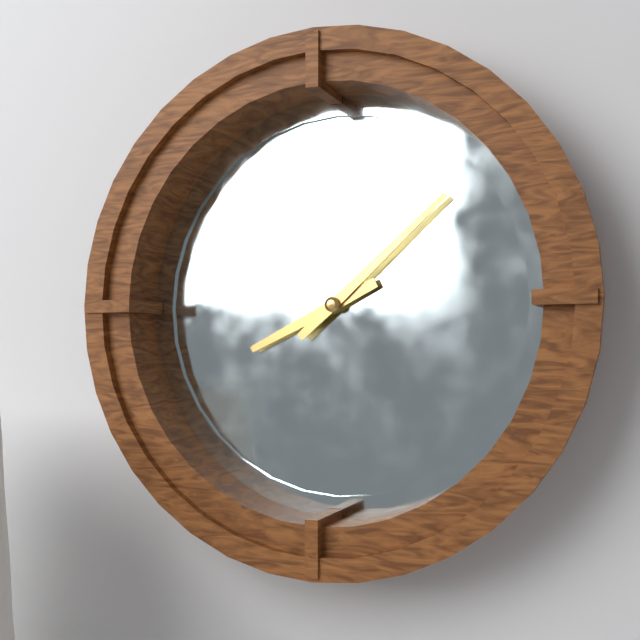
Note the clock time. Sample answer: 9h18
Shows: 8h08
